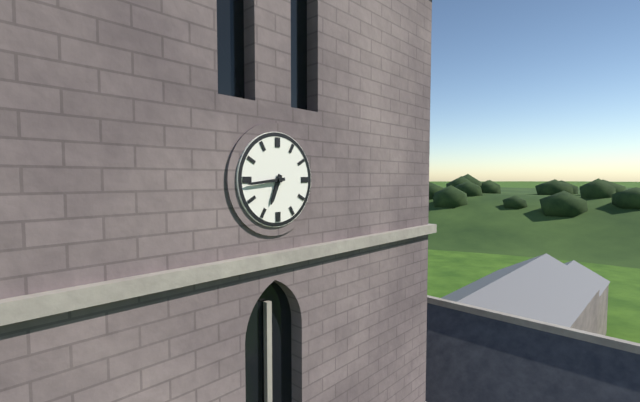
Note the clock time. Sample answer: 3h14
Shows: 6h44
